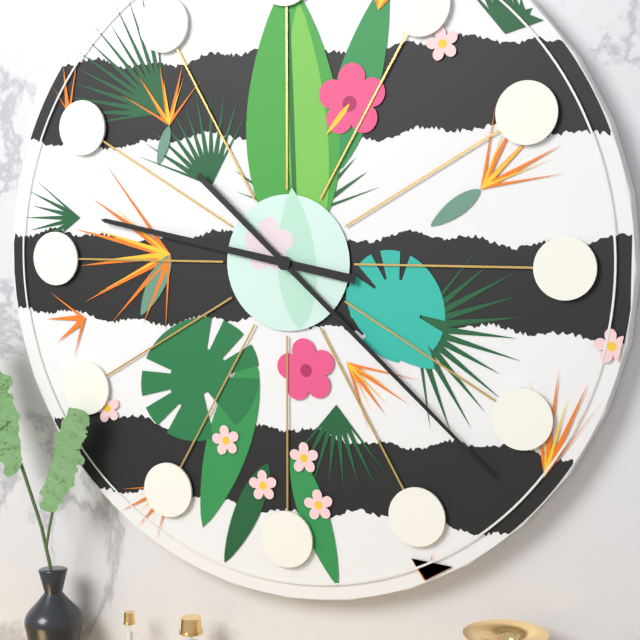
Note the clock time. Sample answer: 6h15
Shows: 9h22
